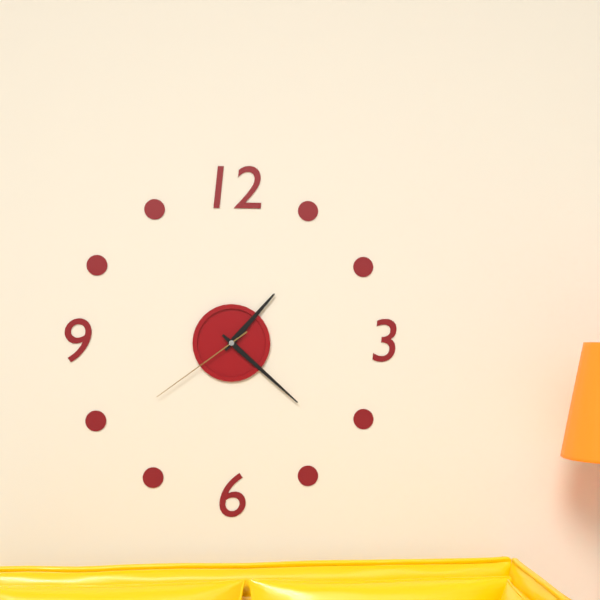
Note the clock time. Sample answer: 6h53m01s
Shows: 1h22m39s
